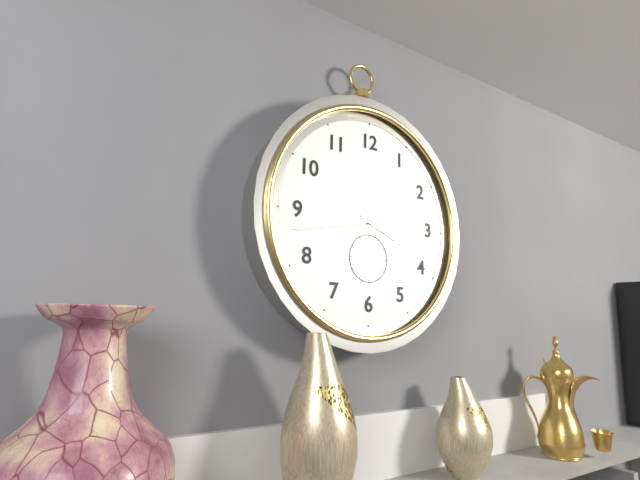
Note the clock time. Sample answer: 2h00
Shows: 3h43
